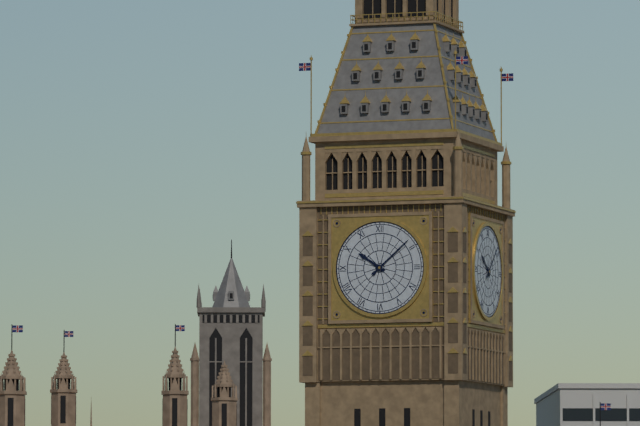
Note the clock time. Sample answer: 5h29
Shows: 10h08
